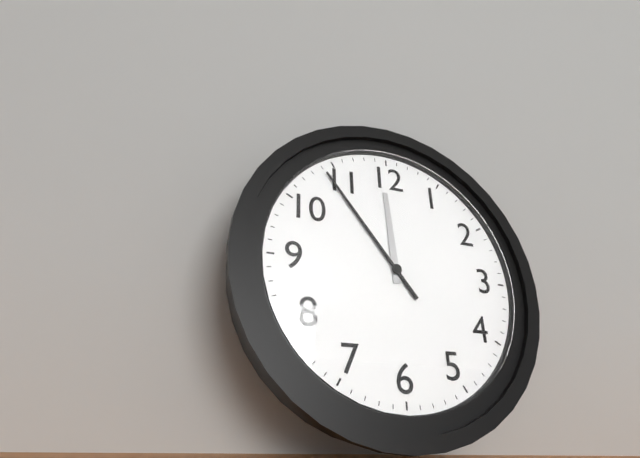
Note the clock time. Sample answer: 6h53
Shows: 11h54
